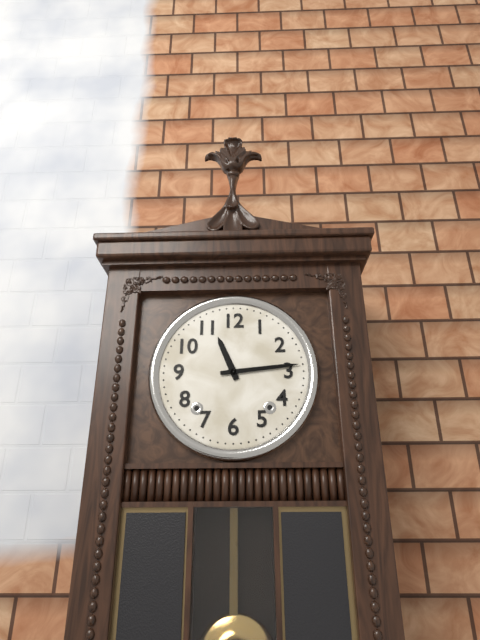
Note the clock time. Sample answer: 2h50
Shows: 11h14
